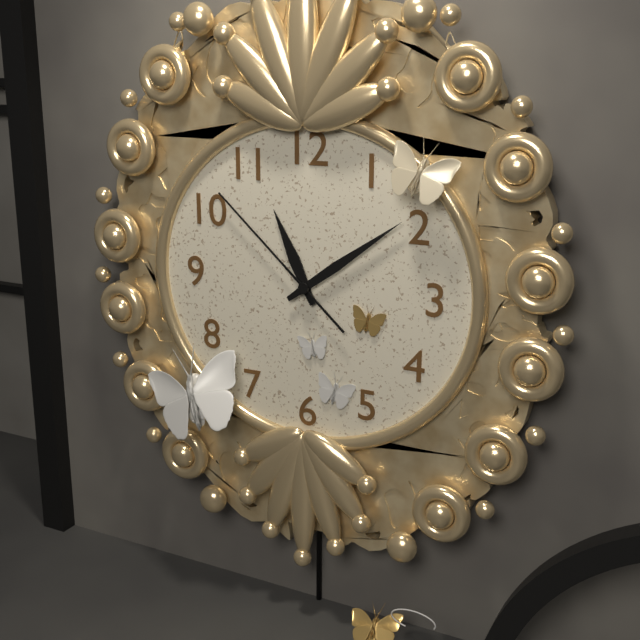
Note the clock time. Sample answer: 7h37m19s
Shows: 11h09m52s
